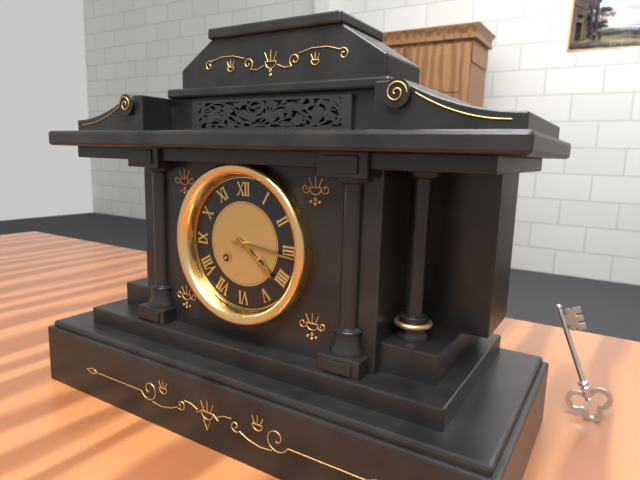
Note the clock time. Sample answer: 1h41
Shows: 4h16
